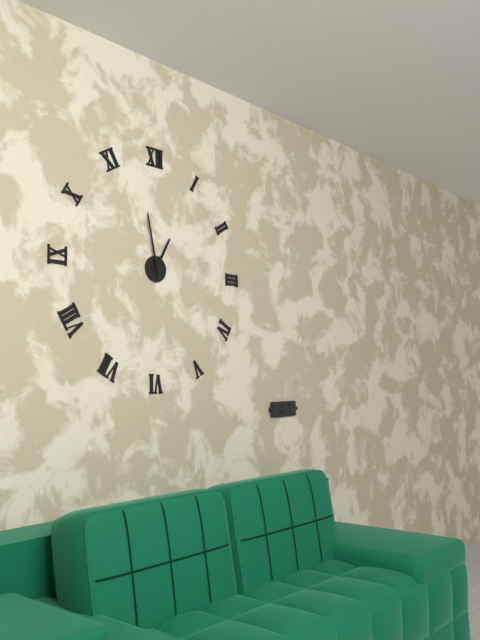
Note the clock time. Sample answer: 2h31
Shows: 12h58
